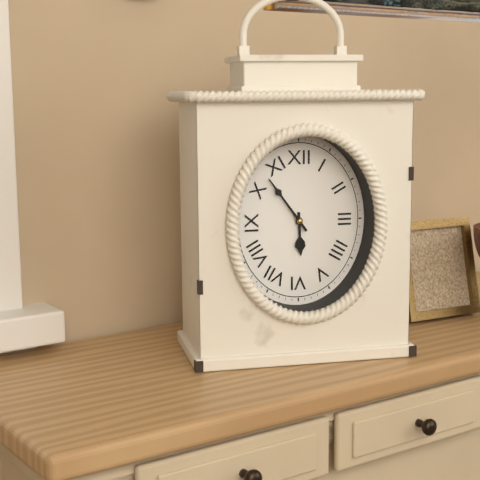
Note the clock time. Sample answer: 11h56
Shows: 5h54
